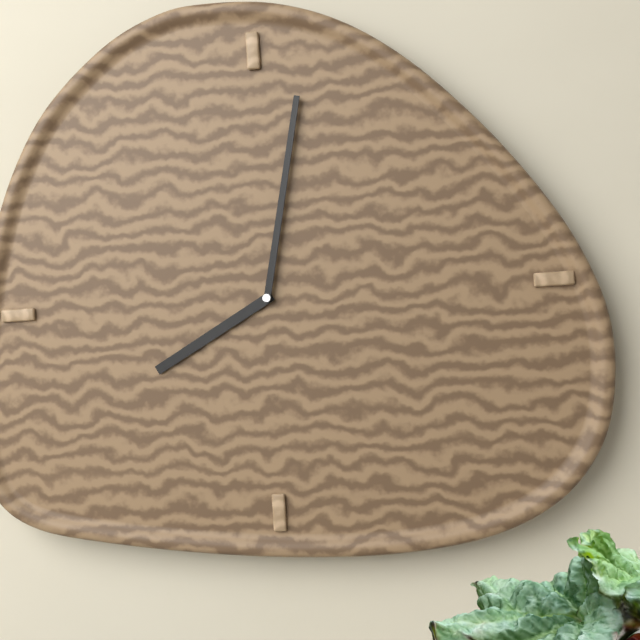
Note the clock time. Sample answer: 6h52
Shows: 8h02
